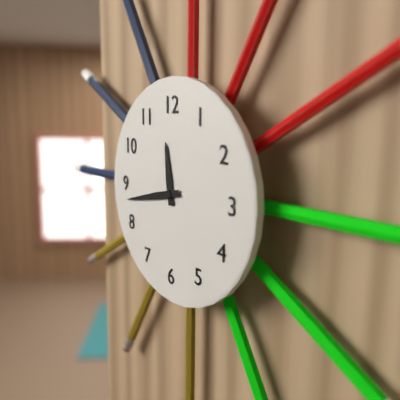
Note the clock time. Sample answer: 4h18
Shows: 11h43
